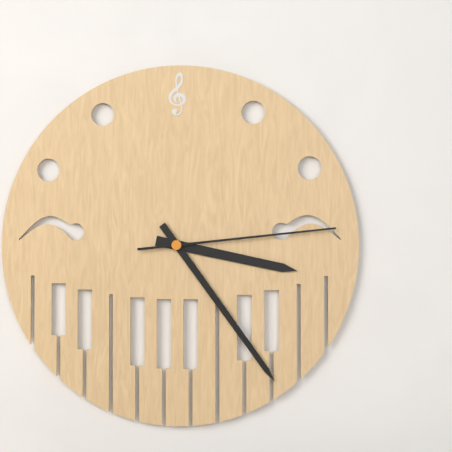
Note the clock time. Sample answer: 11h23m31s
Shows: 3h24m14s
